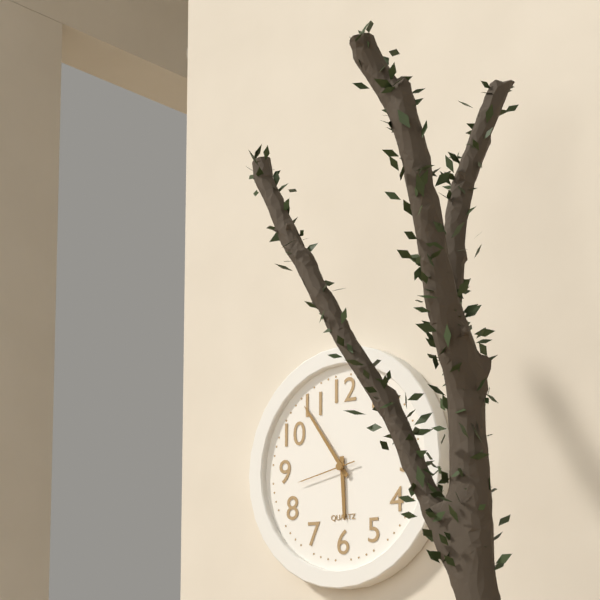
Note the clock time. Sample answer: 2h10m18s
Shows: 5h54m43s
